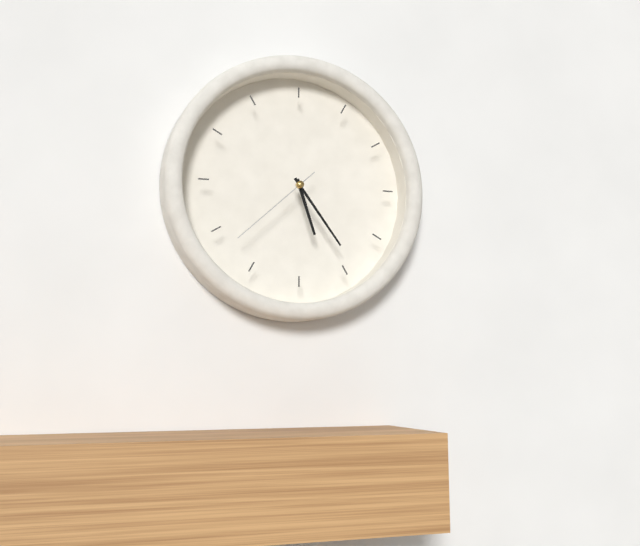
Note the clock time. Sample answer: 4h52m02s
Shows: 5h24m38s
